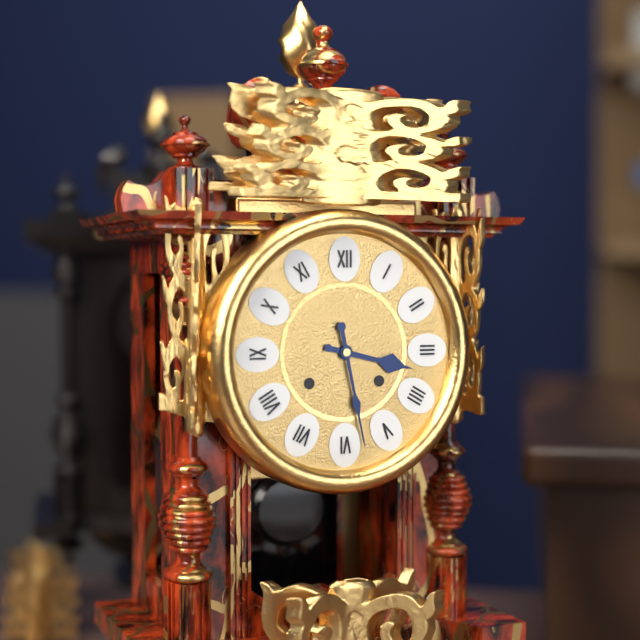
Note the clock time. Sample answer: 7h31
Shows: 3h28
